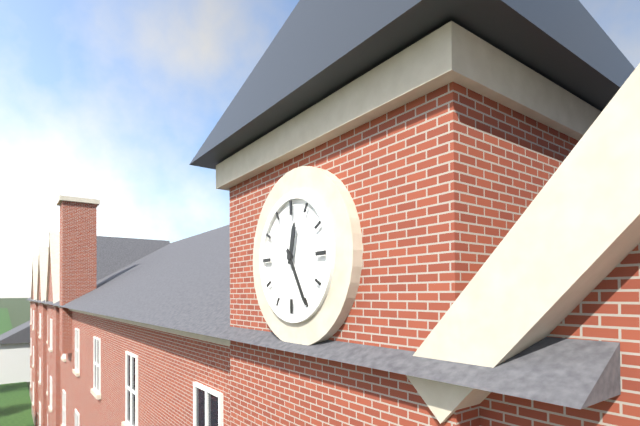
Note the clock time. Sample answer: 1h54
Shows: 12h25
